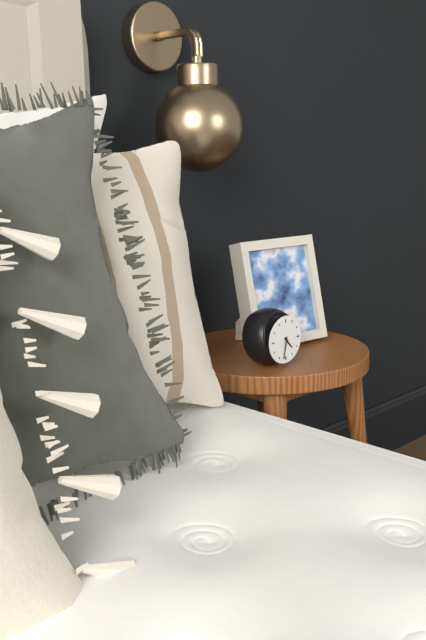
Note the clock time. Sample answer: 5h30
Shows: 4h32
